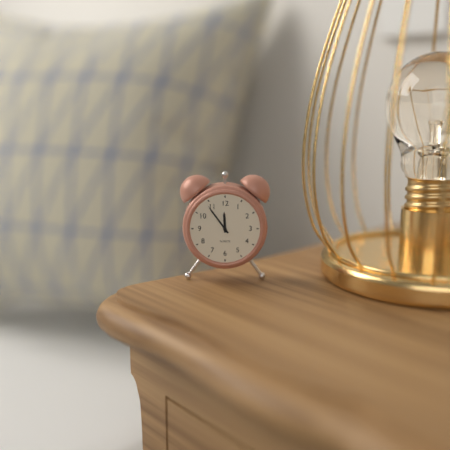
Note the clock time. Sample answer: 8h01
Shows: 11h54
